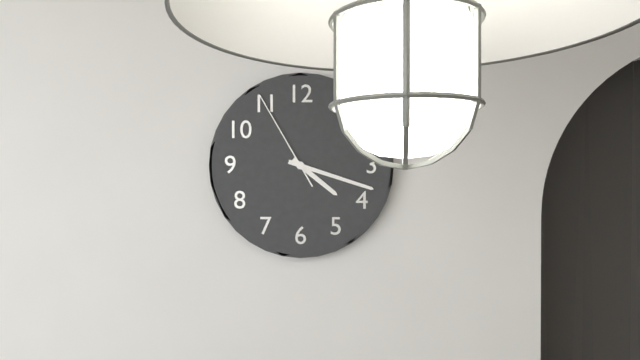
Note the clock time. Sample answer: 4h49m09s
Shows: 4h18m55s
